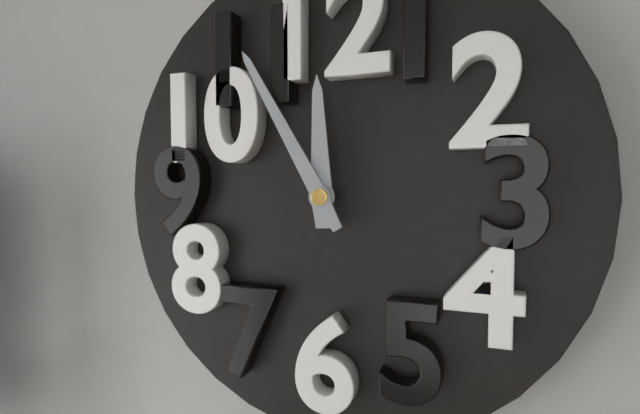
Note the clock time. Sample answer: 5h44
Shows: 11h55
